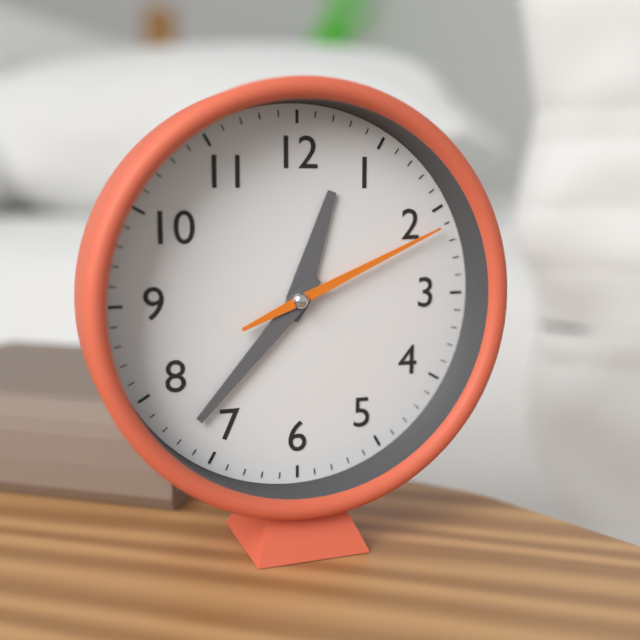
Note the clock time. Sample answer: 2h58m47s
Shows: 12h37m11s
